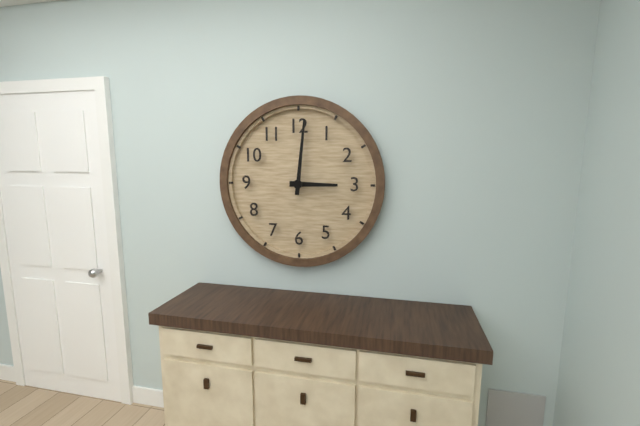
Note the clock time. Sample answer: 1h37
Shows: 3h01
